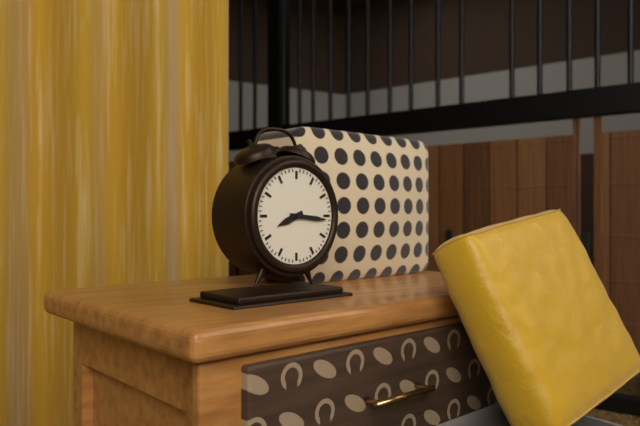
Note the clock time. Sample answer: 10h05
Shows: 8h16
